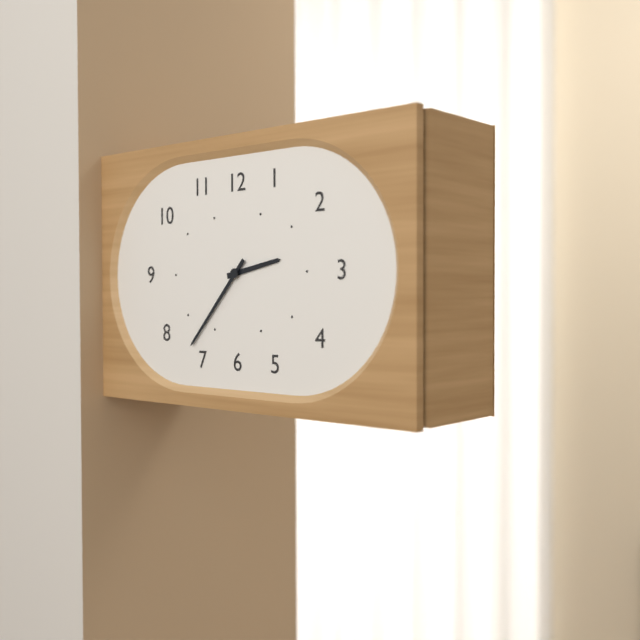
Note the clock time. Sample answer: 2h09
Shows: 2h37
